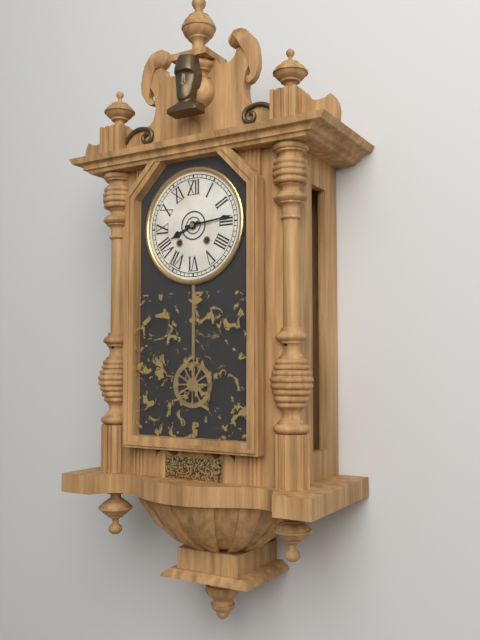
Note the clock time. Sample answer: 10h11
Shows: 8h14
